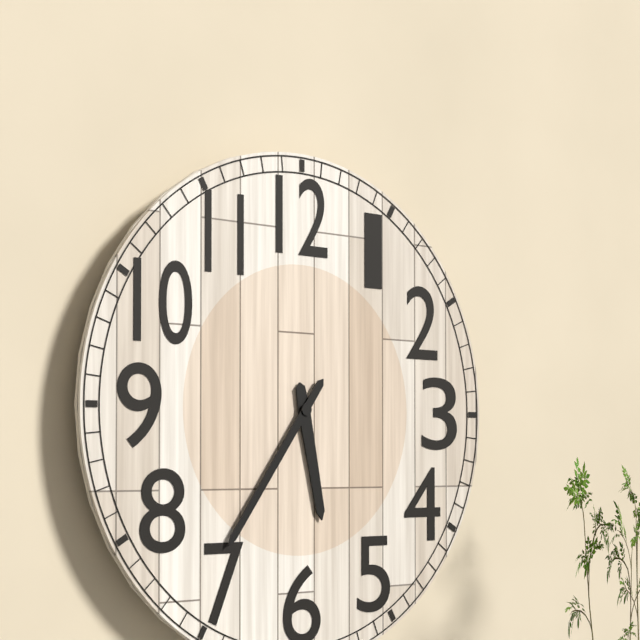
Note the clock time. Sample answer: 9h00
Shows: 5h36
